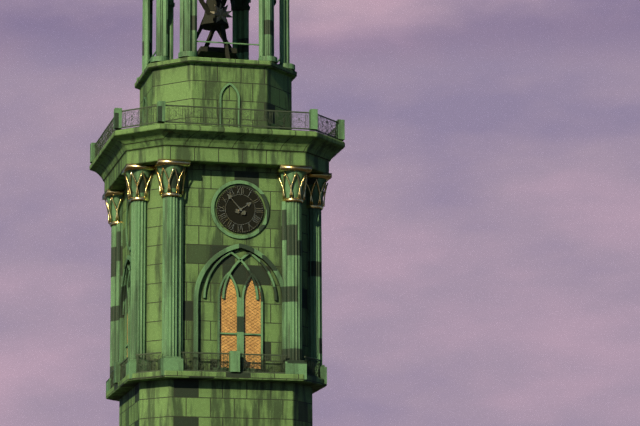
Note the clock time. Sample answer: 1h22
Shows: 1h53
